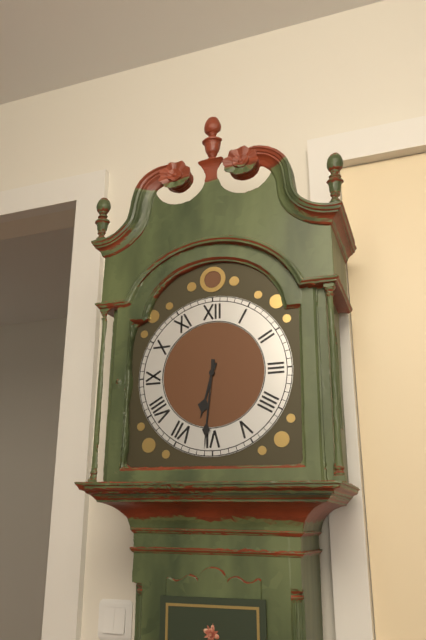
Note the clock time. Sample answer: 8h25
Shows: 6h31
